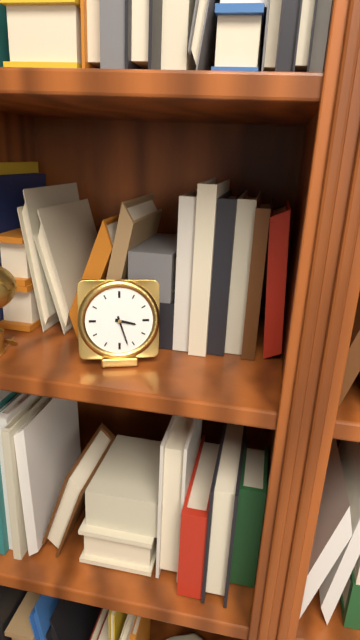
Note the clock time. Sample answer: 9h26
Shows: 3h27
